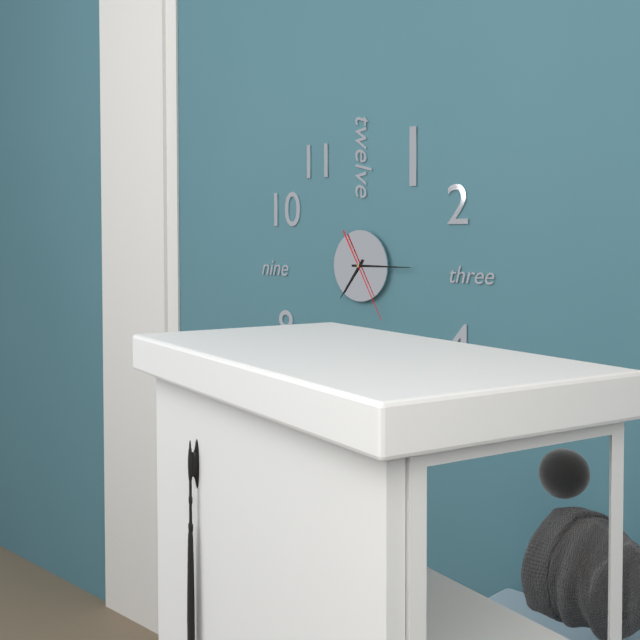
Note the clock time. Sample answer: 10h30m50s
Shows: 7h15m25s
